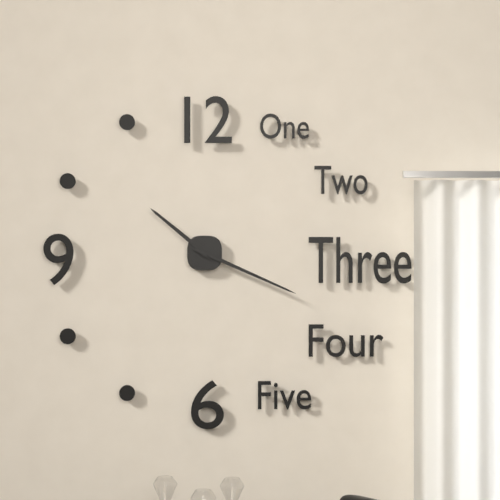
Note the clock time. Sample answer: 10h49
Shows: 10h19
